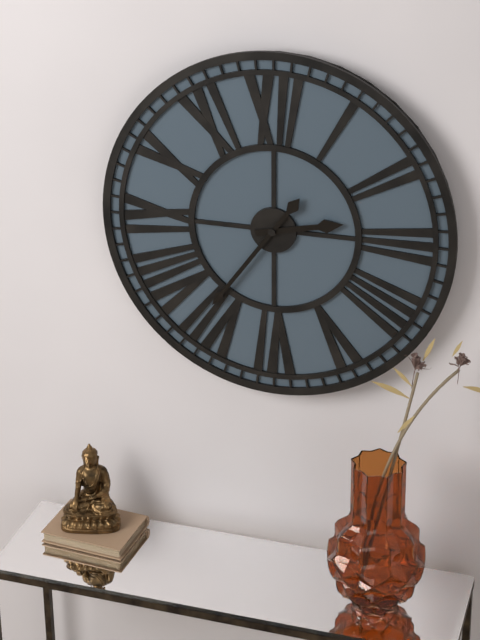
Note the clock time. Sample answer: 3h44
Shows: 2h36
